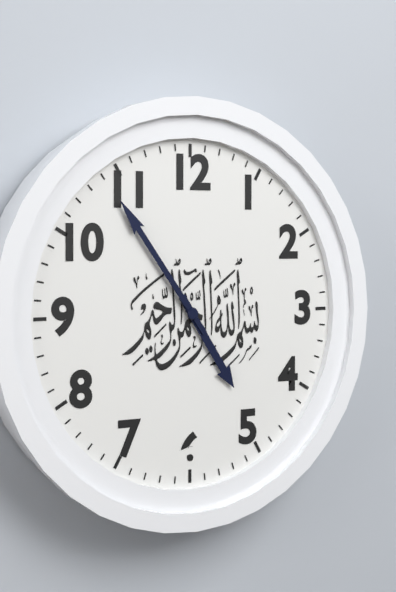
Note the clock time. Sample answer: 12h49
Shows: 4h54
